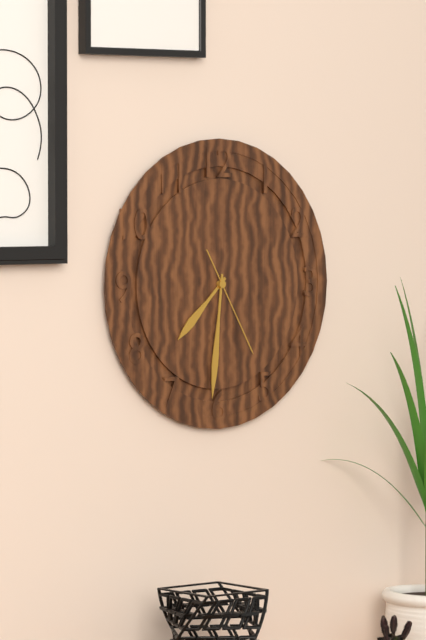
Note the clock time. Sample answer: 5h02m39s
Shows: 7h31m25s
